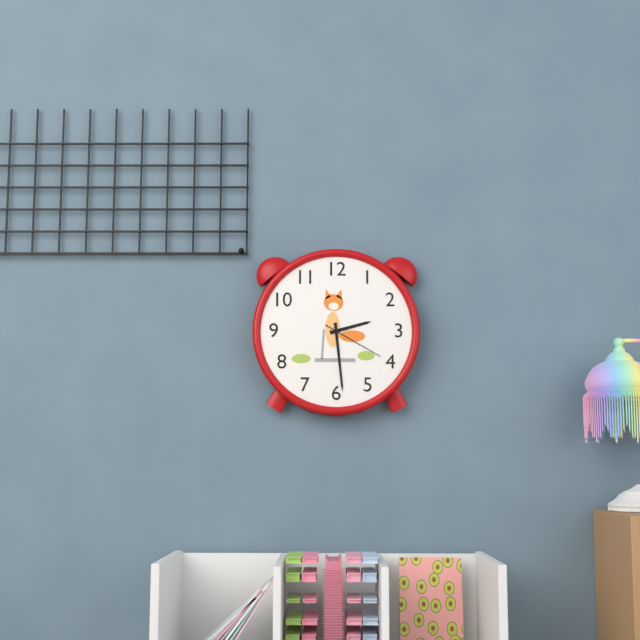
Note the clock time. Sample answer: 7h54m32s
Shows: 2h29m20s
